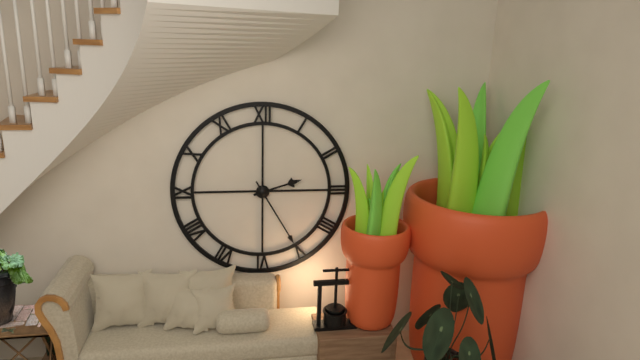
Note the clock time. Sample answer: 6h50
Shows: 2h25
